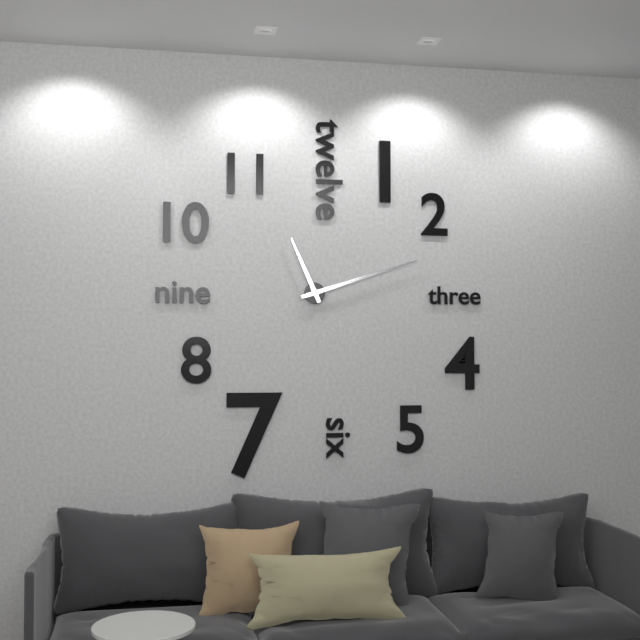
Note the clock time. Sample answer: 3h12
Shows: 11h12
